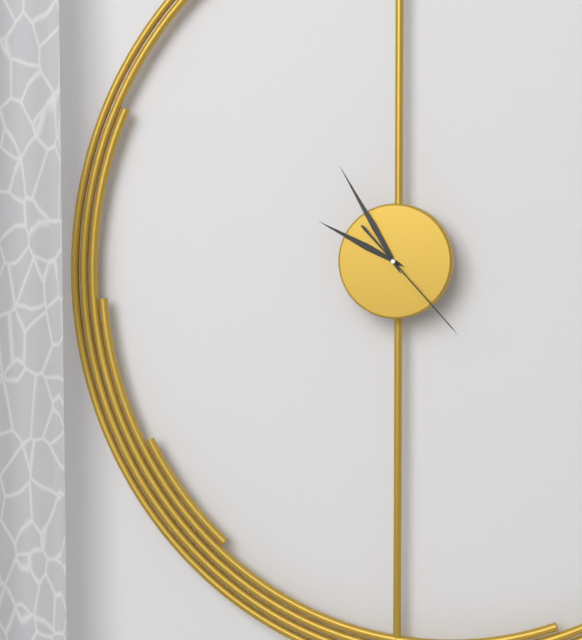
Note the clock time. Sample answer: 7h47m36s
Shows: 9h55m23s
